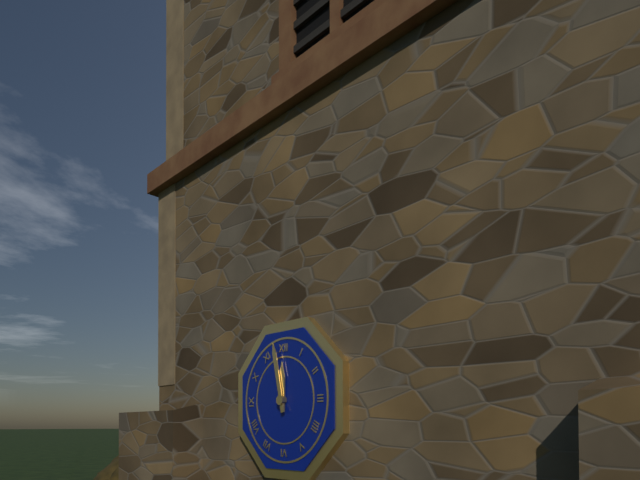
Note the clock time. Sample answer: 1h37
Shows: 11h58
